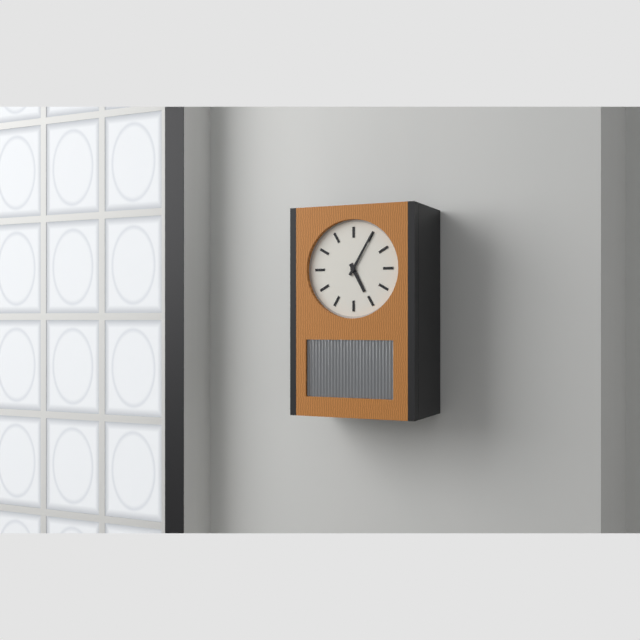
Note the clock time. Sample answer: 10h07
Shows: 5h05
